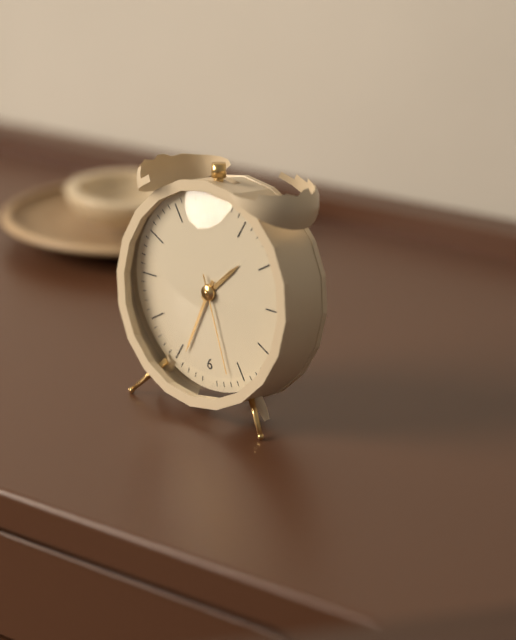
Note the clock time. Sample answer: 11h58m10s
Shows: 1h34m27s
